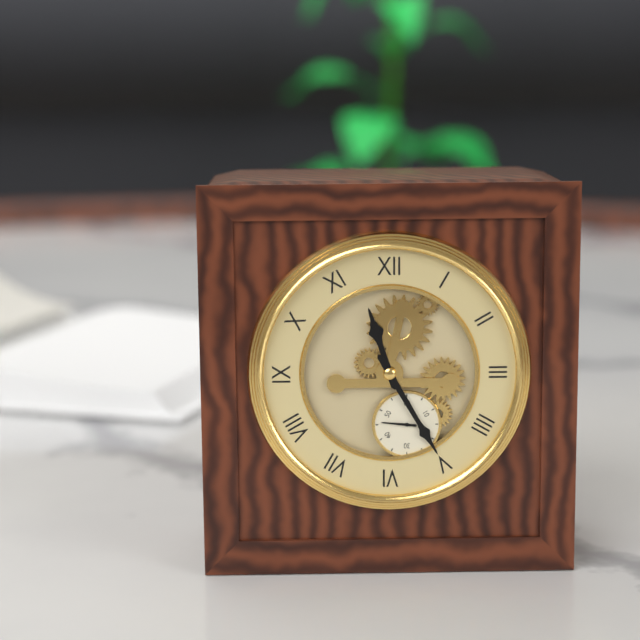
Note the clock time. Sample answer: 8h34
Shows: 11h25
